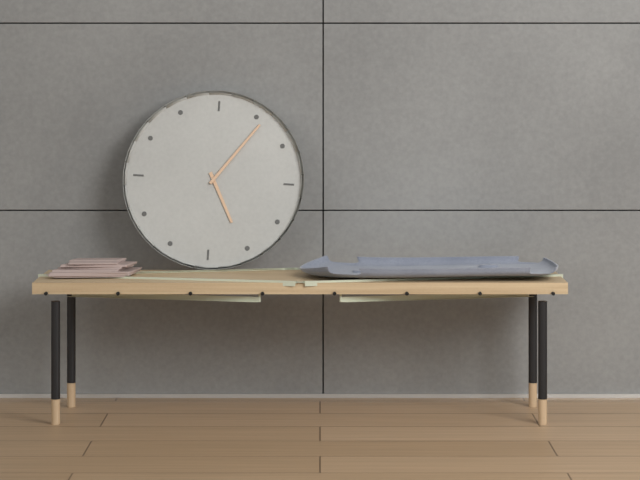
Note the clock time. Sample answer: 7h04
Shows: 5h06
